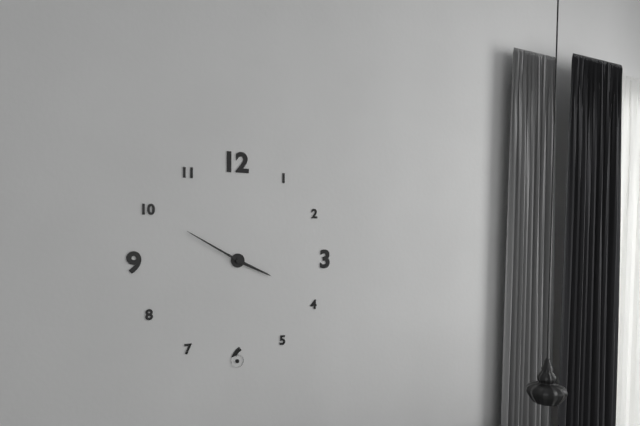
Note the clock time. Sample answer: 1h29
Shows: 3h50
